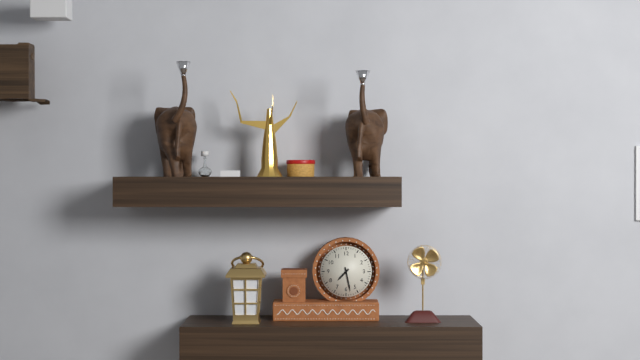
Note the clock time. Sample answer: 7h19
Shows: 7h28
